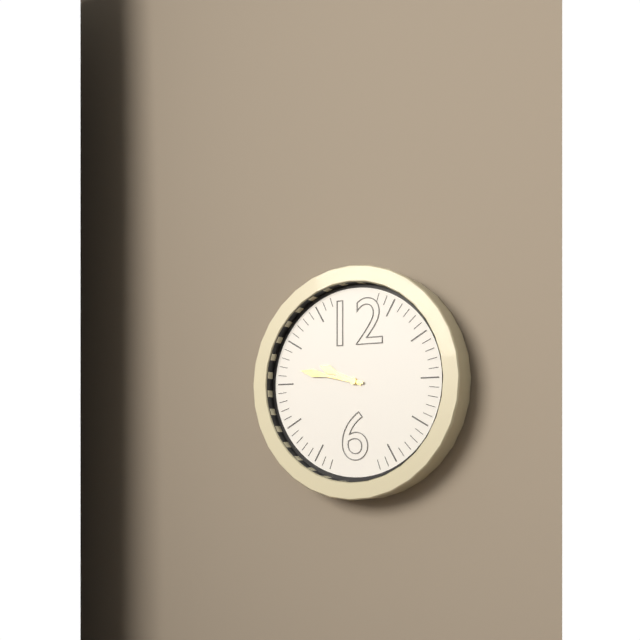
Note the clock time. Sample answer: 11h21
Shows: 9h47
